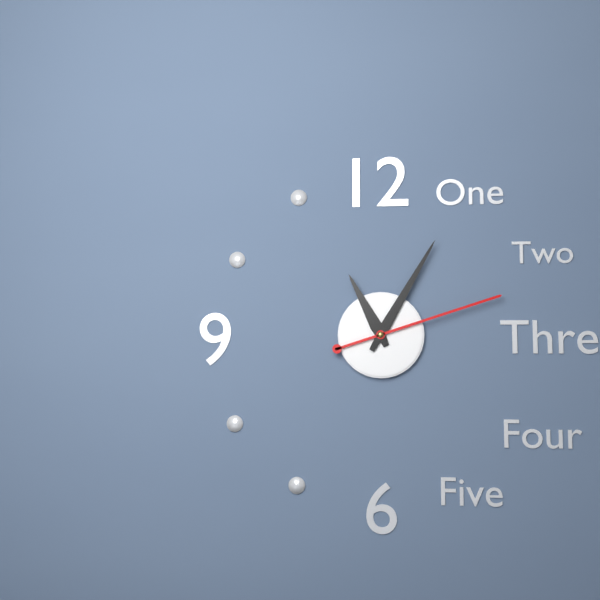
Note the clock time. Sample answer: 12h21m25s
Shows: 11h05m12s
